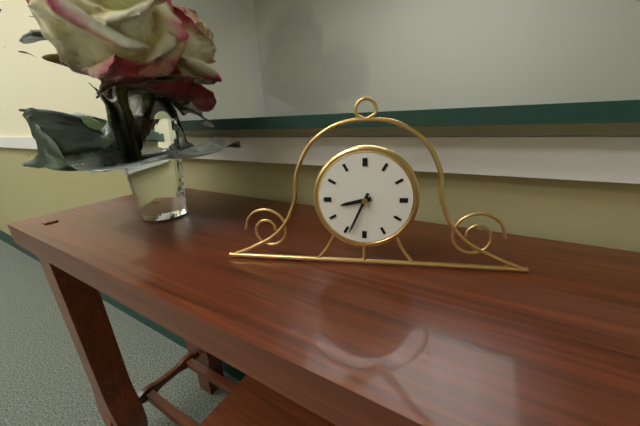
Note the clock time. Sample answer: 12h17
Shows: 8h34
